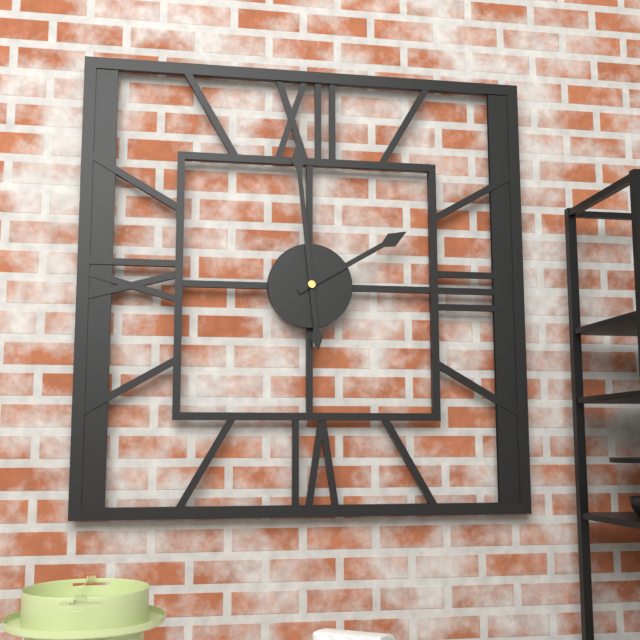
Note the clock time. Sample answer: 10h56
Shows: 1h59
